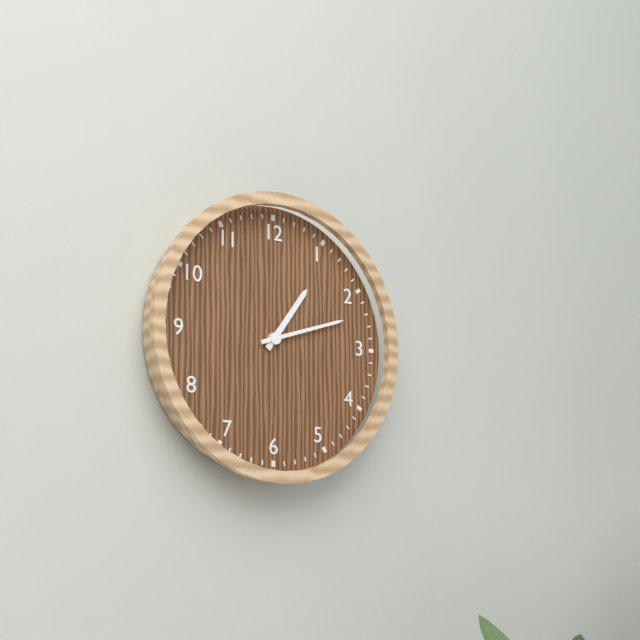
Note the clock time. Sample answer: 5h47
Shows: 1h12
